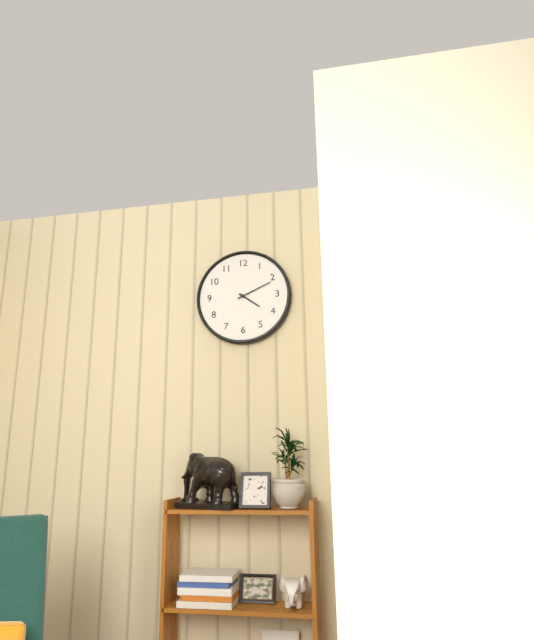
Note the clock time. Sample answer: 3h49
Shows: 4h11
